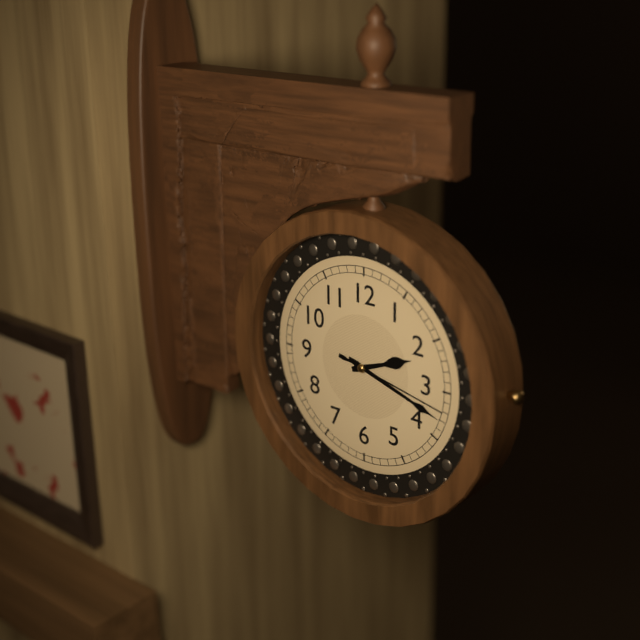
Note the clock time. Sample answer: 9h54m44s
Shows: 2h18m17s
